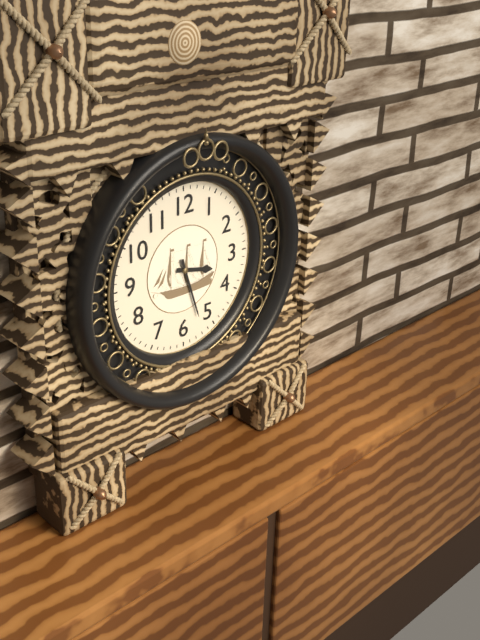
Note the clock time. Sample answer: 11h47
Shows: 3h27
